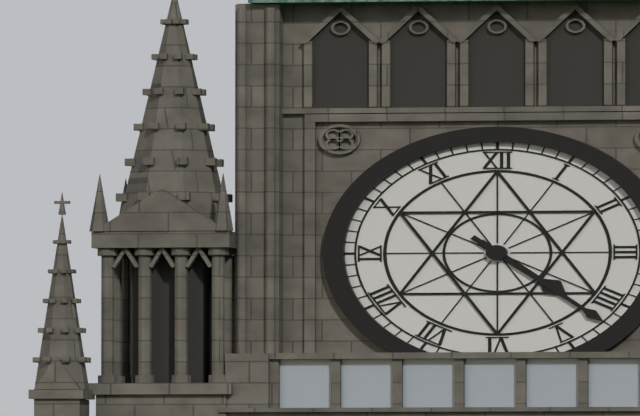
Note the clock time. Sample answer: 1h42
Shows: 4h22
